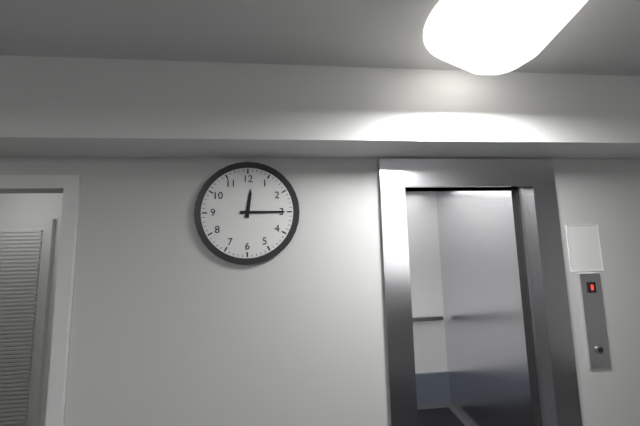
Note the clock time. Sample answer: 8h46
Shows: 12h15
